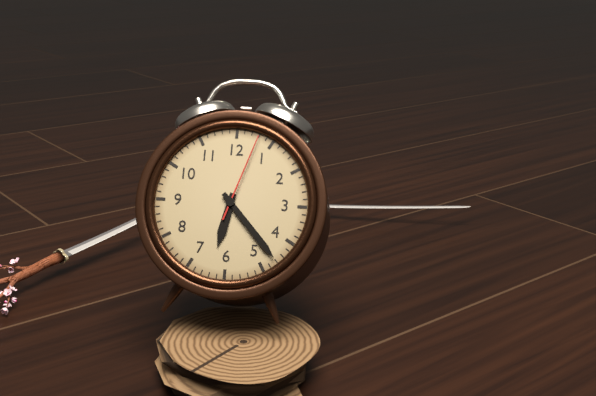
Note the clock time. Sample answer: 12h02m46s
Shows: 6h23m03s
